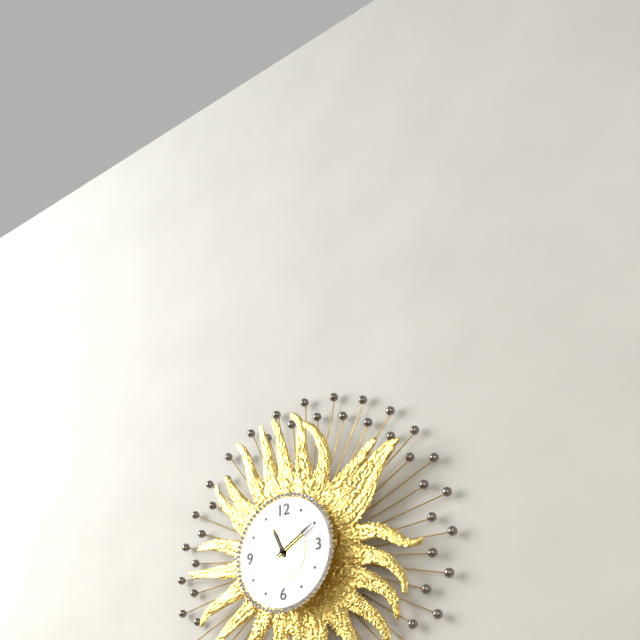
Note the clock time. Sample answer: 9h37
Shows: 11h10
